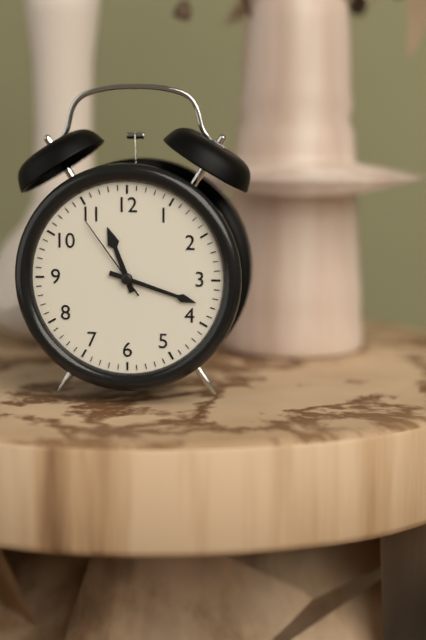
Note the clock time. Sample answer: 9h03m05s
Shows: 11h18m54s
